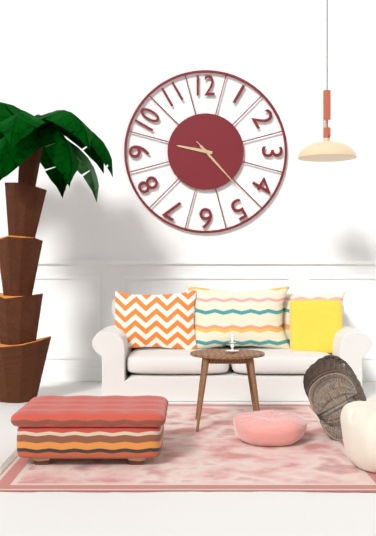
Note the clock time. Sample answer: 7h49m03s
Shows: 9h23m23s
